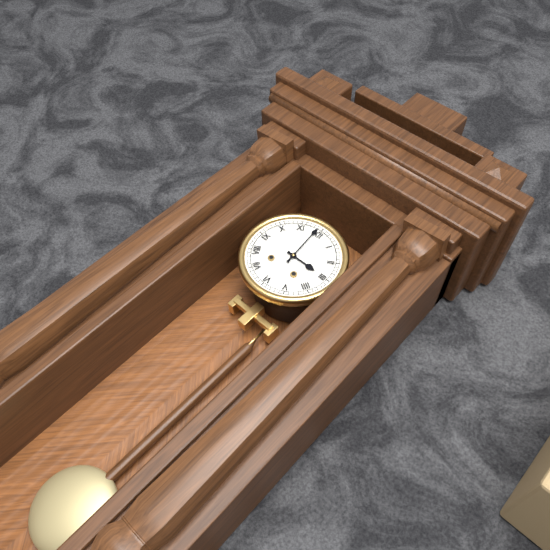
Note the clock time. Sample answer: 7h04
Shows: 2h59
